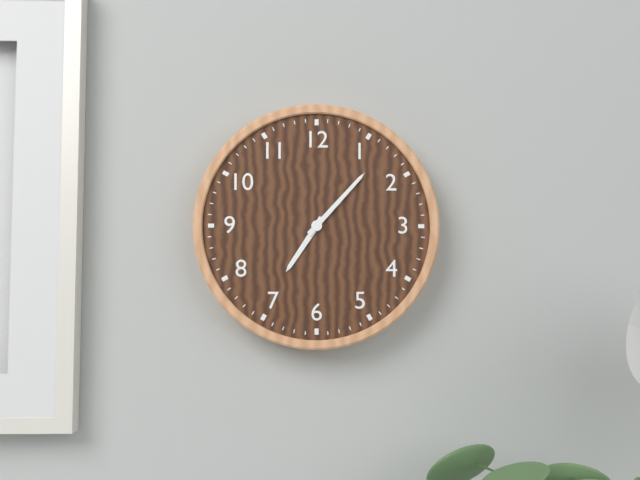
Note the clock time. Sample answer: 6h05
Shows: 7h07
